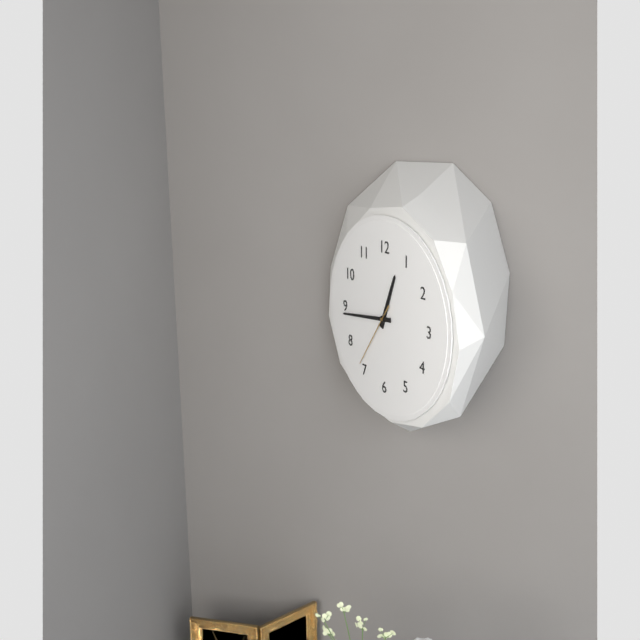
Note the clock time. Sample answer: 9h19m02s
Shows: 12h44m36s
